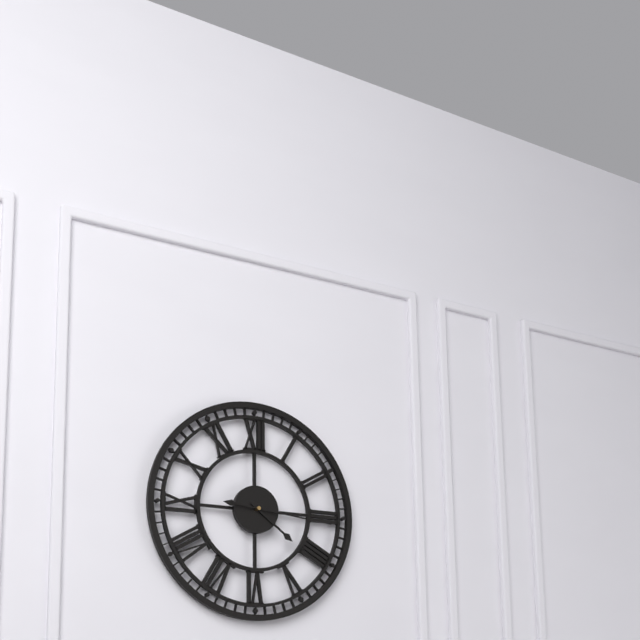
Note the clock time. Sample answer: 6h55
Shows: 4h16
